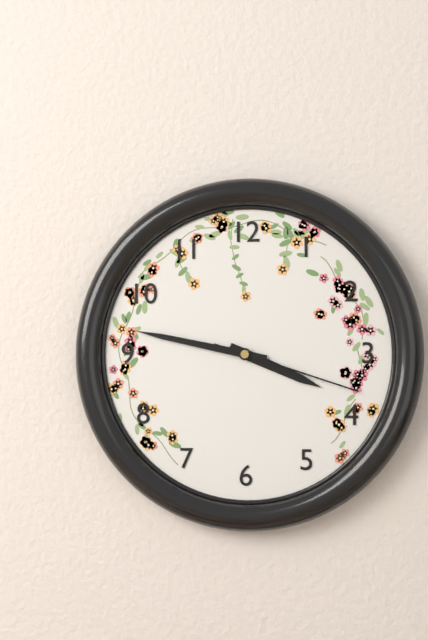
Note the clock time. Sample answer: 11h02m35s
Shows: 3h47m18s
